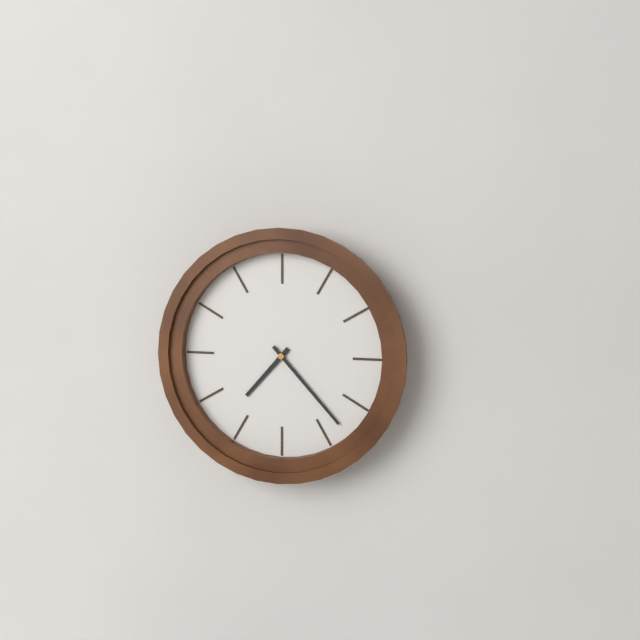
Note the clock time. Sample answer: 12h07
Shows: 7h23
